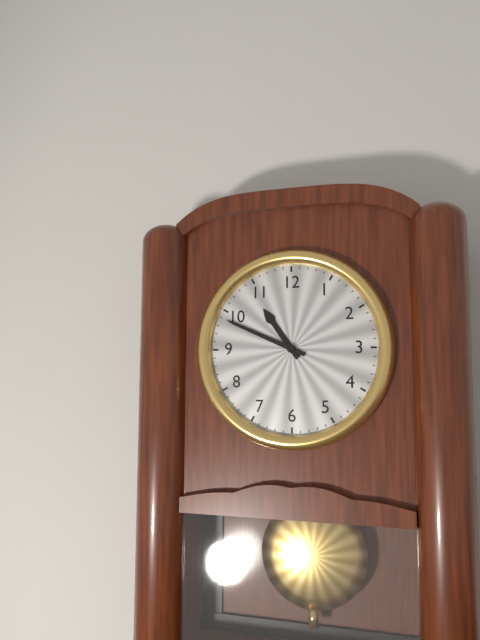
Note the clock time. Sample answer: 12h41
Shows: 10h49
